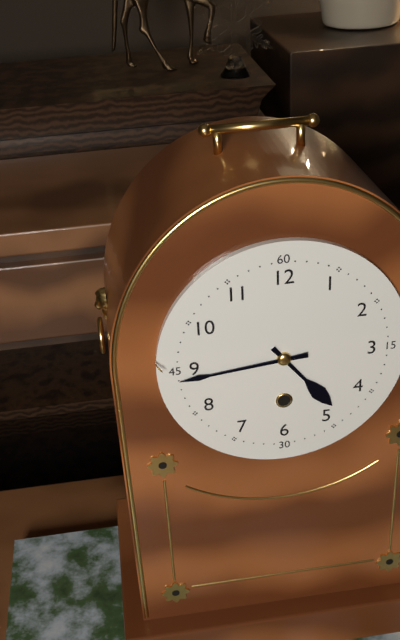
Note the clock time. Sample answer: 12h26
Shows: 4h44
